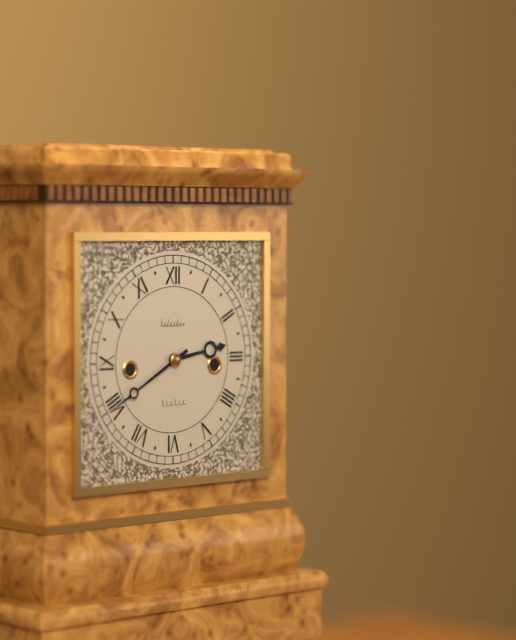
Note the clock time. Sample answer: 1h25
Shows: 2h40
